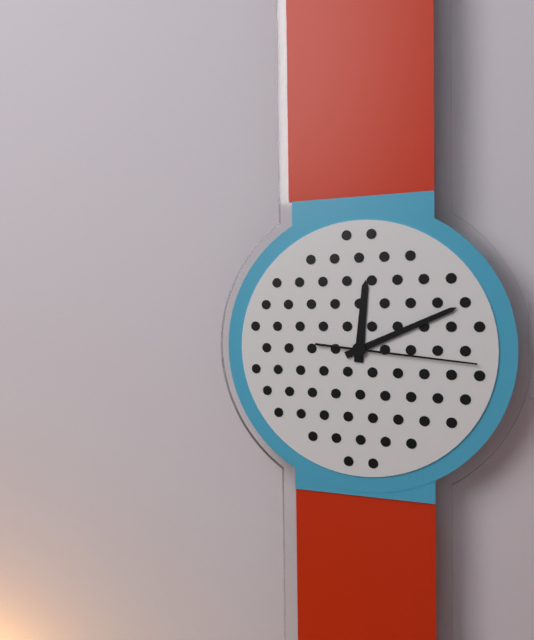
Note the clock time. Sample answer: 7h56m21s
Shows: 12h11m16s
